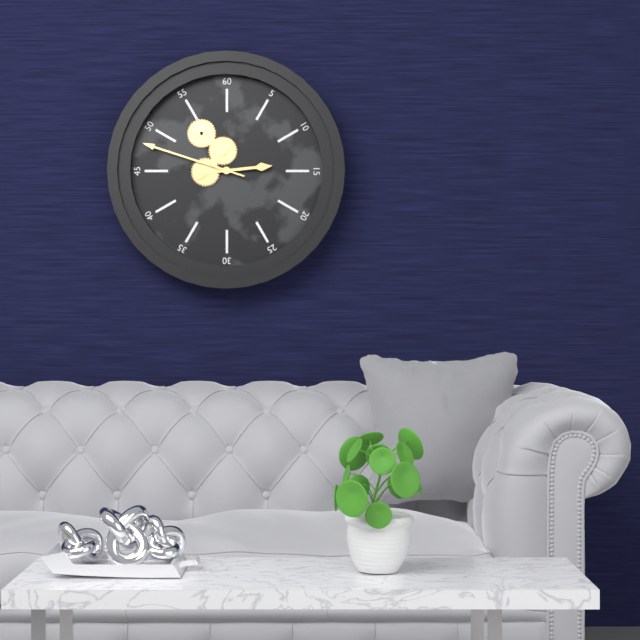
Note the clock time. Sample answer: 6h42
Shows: 2h48
